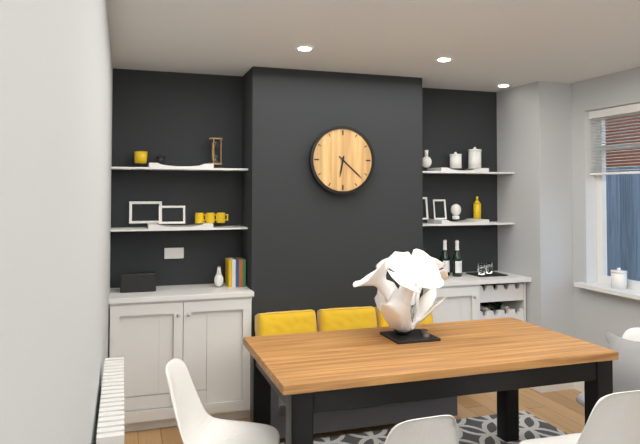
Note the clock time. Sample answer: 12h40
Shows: 6h22
